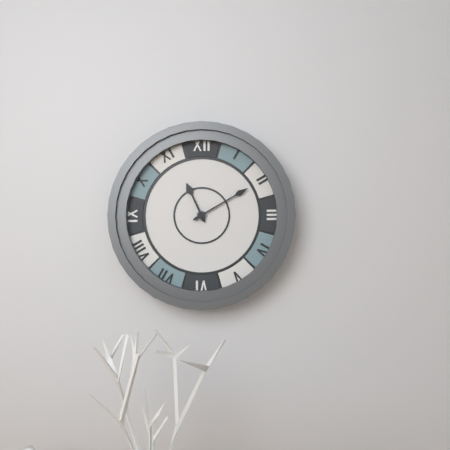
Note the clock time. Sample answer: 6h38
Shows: 11h10
